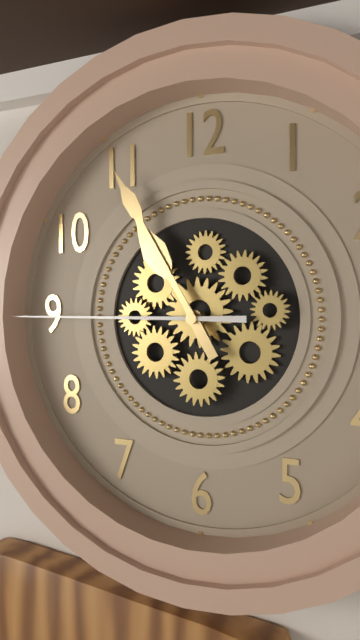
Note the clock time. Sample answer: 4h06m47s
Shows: 10h55m45s
